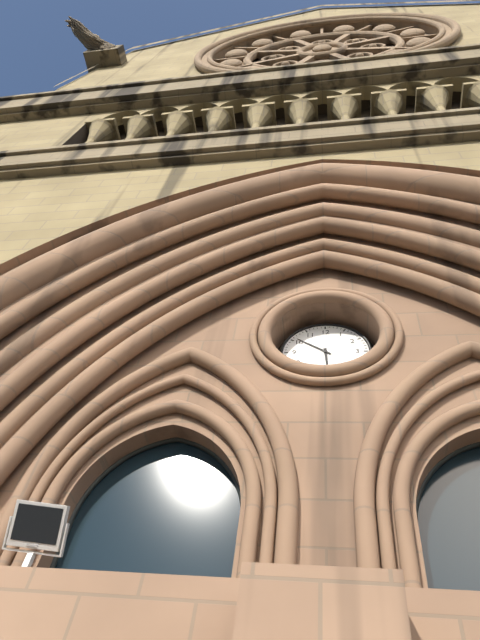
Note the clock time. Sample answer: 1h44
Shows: 5h51
